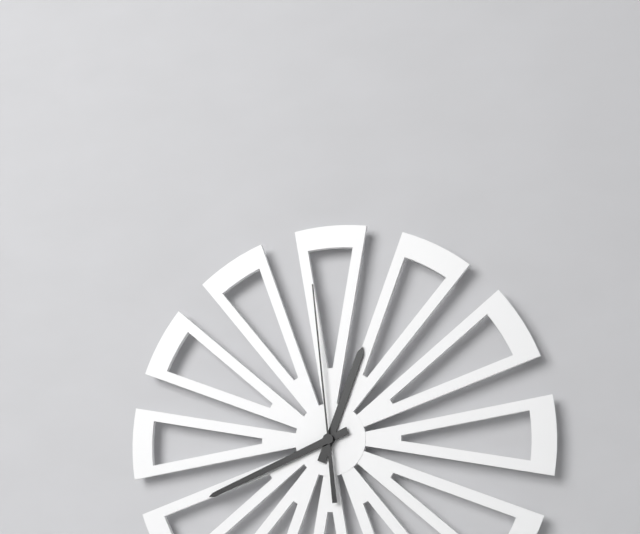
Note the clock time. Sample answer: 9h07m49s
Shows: 12h41m59s
